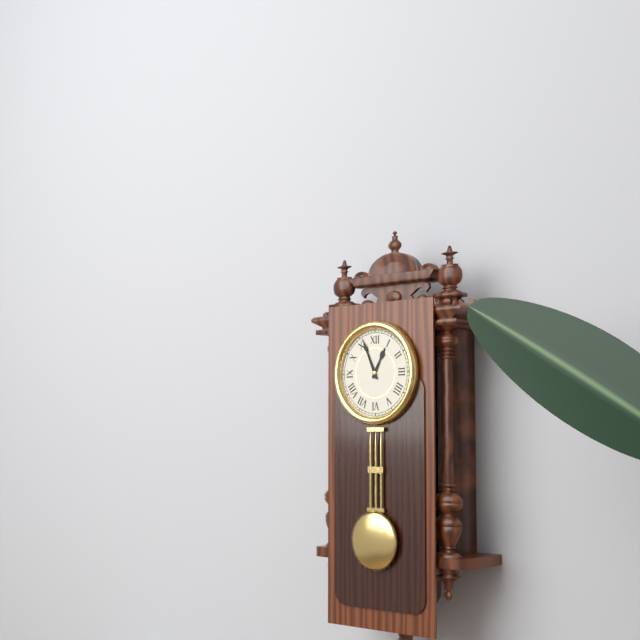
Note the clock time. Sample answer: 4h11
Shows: 12h56
